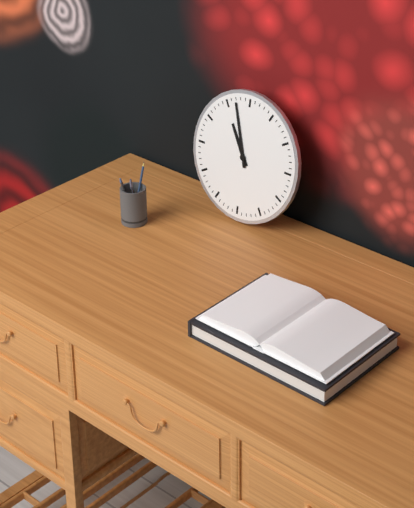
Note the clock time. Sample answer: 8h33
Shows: 10h57
